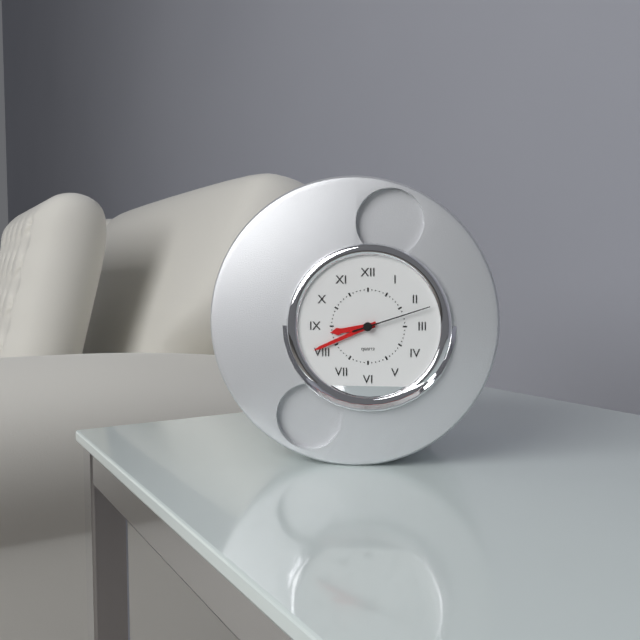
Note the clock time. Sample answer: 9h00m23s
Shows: 8h41m12s
